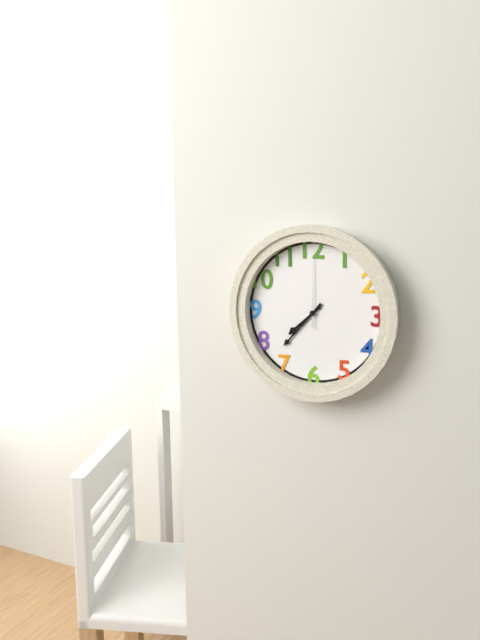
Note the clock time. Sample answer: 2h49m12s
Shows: 7h37m00s
